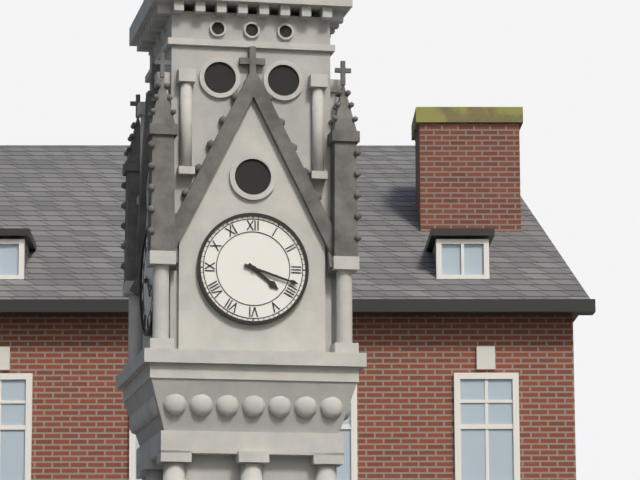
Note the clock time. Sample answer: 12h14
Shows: 4h18
